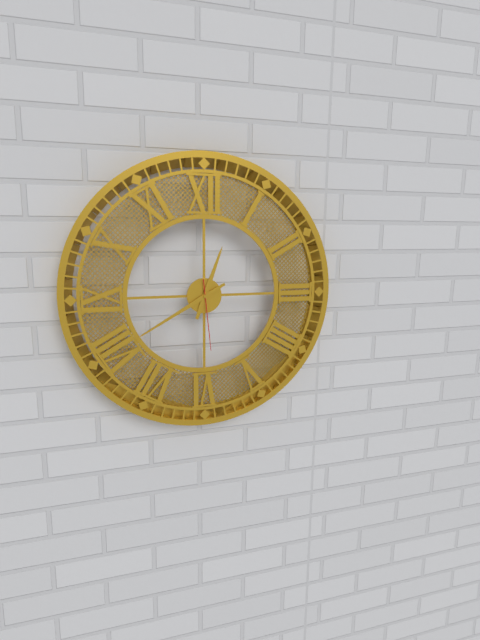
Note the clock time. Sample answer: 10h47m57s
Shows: 12h40m29s
